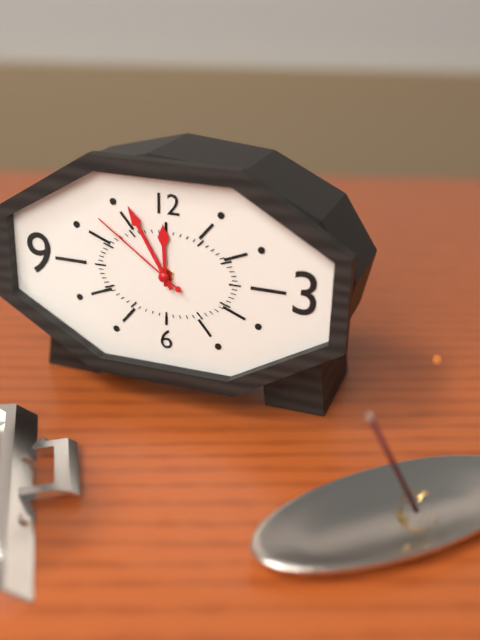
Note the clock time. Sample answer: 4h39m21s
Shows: 11h55m51s
